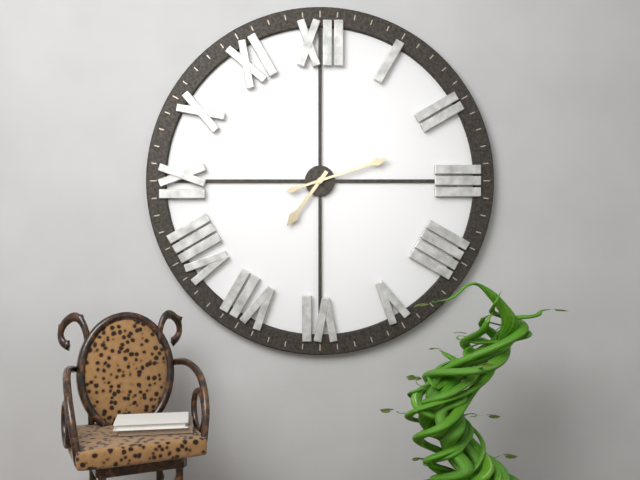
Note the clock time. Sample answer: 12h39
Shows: 7h12
